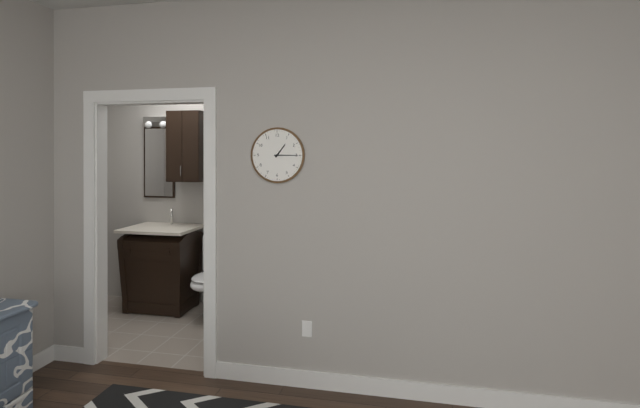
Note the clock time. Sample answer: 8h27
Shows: 1h15
